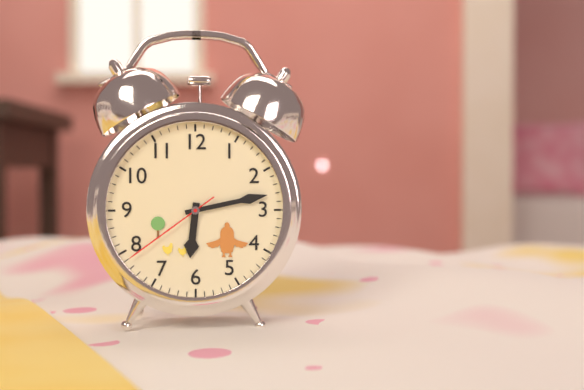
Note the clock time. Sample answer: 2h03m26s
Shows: 6h13m39s
